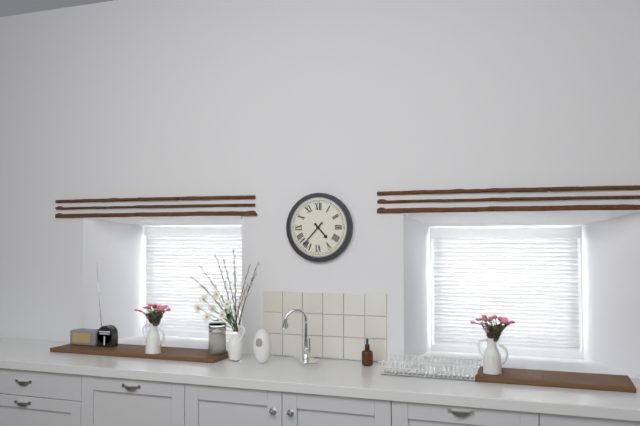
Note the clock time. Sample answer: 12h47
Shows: 4h37
